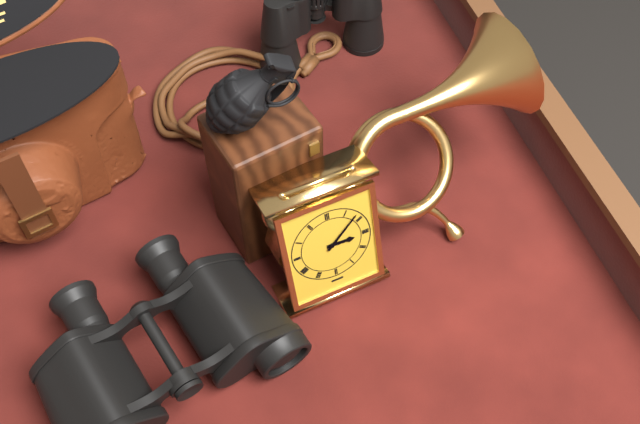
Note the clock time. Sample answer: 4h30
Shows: 3h08
